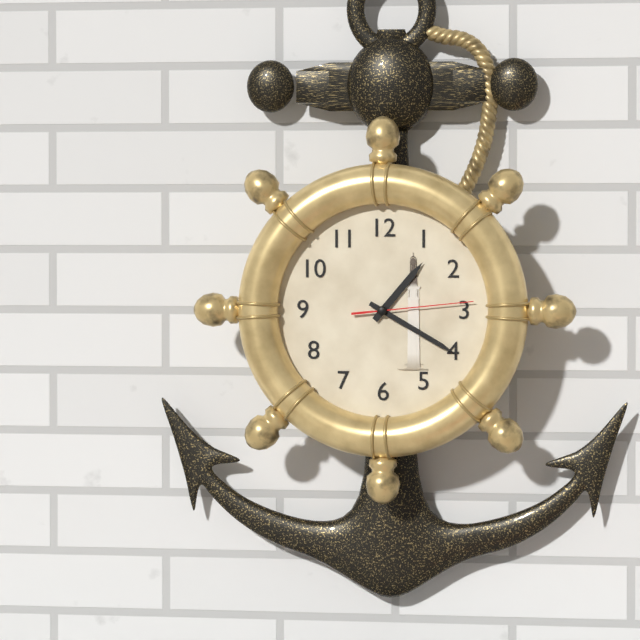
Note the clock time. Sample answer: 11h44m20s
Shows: 1h20m14s
